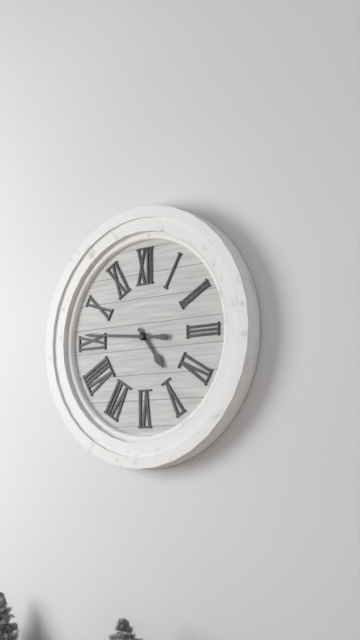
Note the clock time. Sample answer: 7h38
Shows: 4h46
